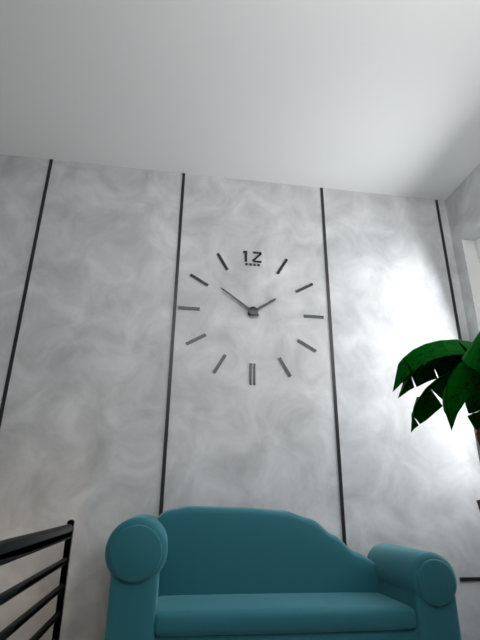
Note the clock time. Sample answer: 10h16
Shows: 1h51
